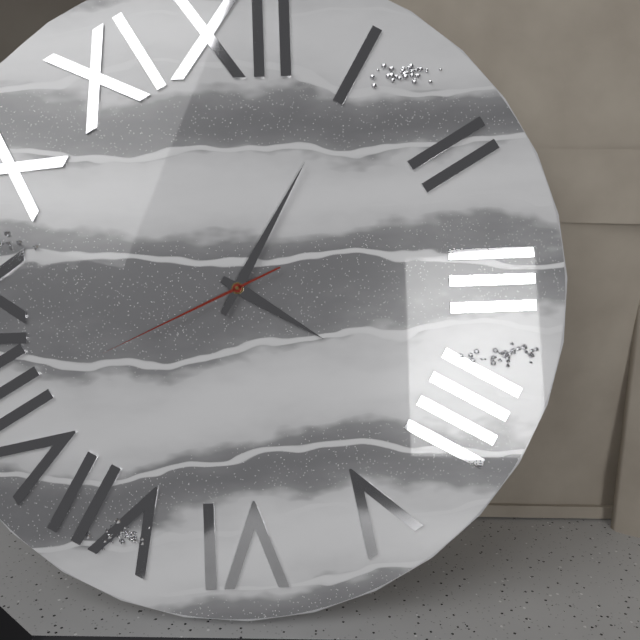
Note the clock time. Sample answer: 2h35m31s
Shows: 4h05m41s
